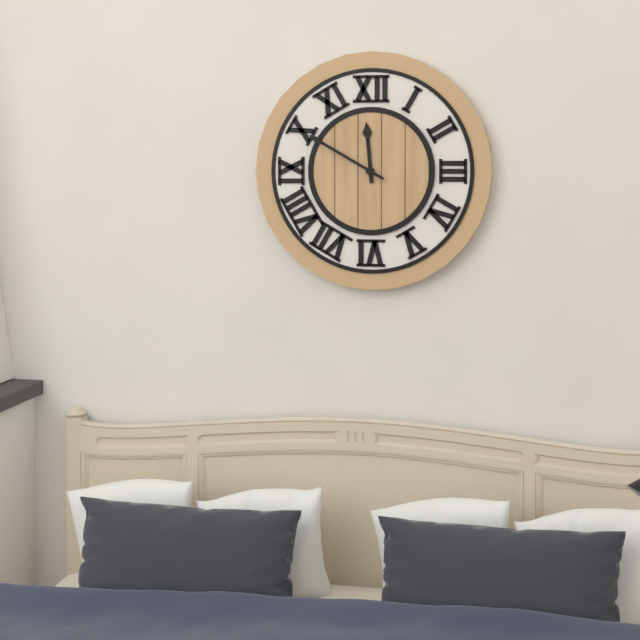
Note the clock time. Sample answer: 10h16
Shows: 11h50
